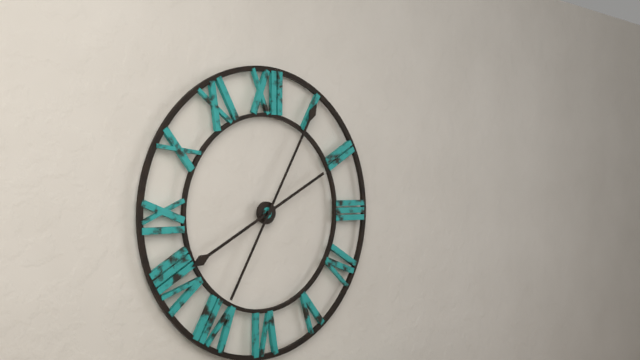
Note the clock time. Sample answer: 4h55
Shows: 8h05
